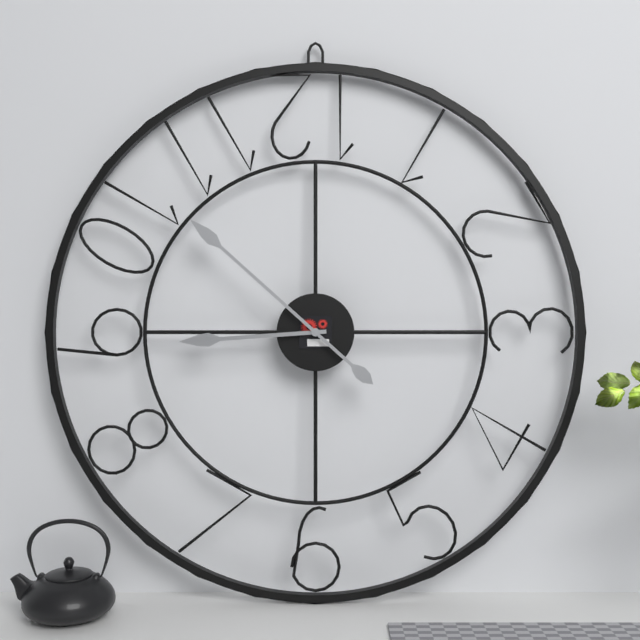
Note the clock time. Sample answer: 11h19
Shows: 8h52
